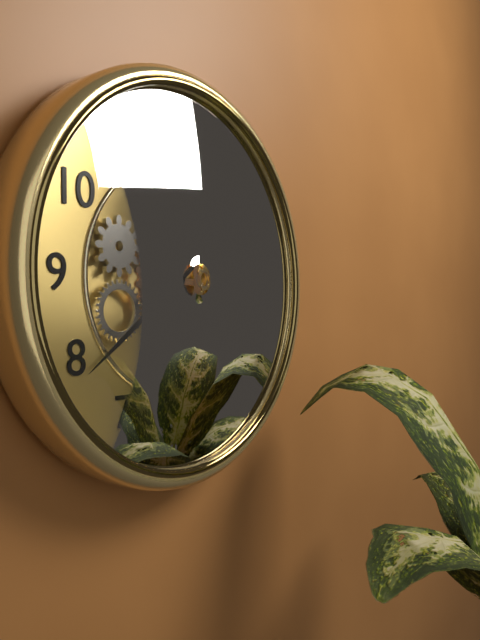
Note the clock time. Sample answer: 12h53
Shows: 4h39
